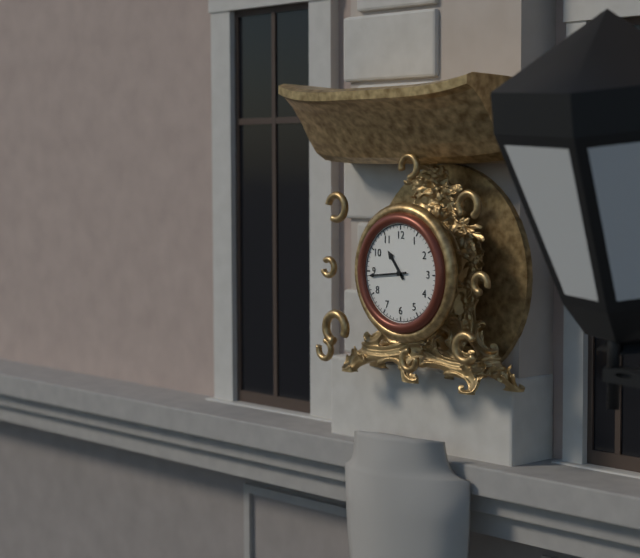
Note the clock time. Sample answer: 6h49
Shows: 10h44
